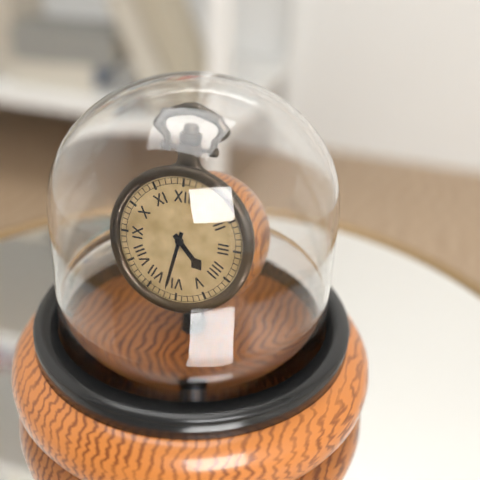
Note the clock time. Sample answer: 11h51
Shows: 4h32
